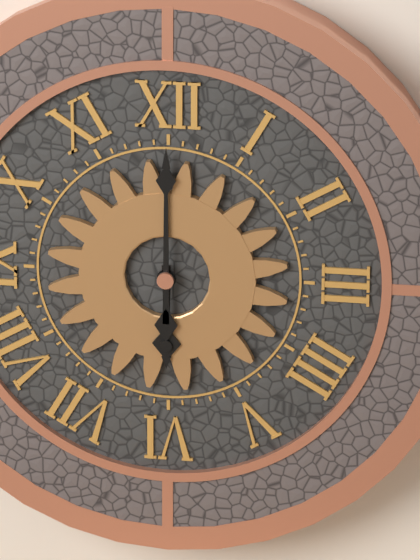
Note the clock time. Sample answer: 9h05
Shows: 6h00
